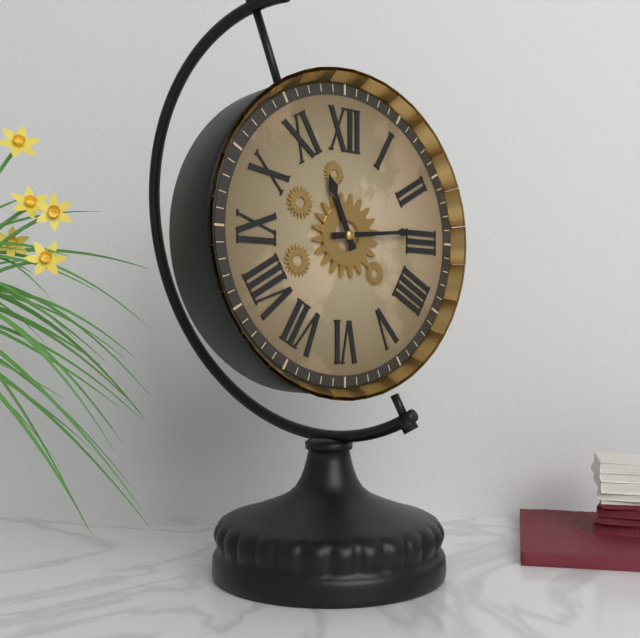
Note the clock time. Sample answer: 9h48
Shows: 11h14
